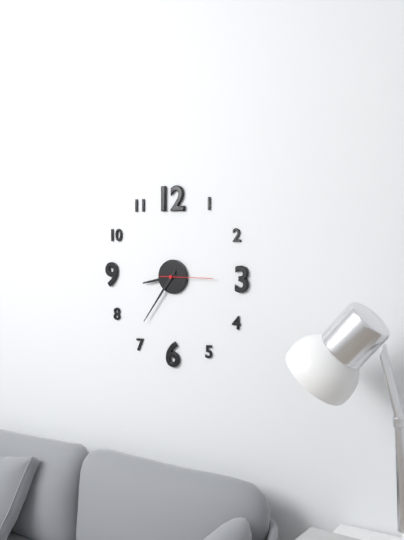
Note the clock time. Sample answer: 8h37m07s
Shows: 8h36m15s
